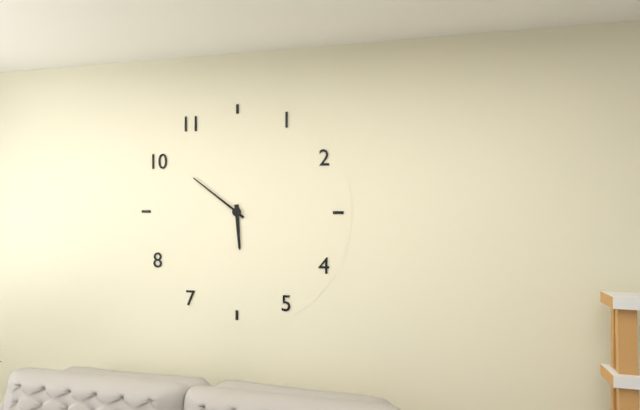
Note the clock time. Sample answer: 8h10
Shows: 5h51
